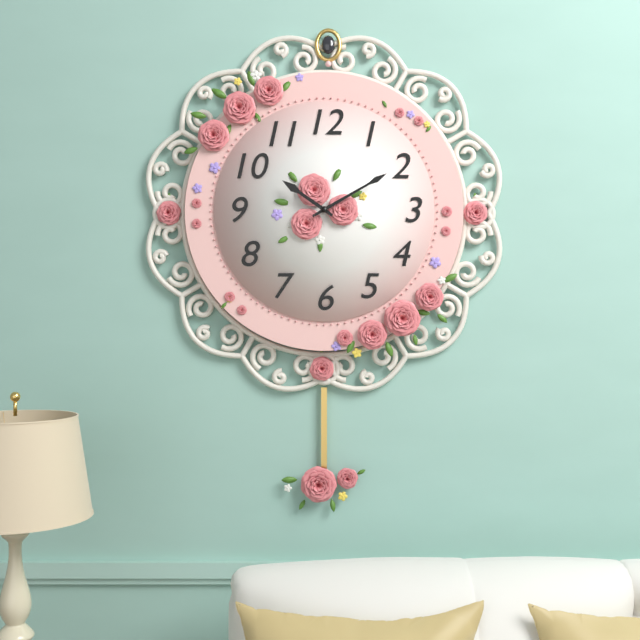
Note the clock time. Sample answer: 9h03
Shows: 10h10
